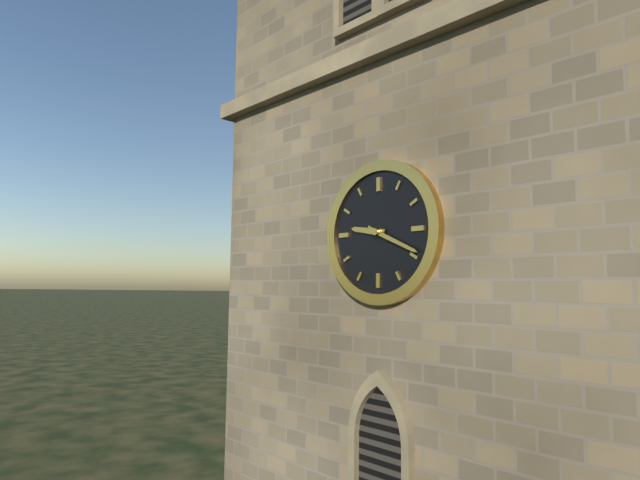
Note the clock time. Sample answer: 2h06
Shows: 9h19
